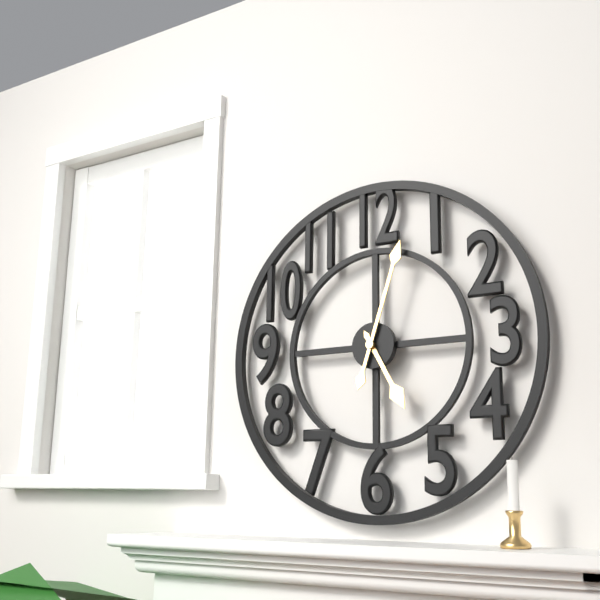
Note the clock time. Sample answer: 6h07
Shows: 5h03
